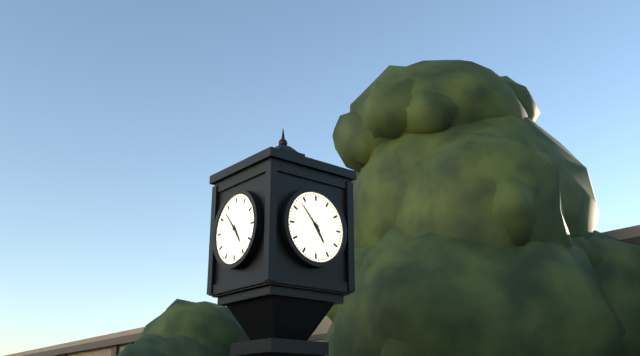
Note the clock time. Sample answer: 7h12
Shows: 4h53
